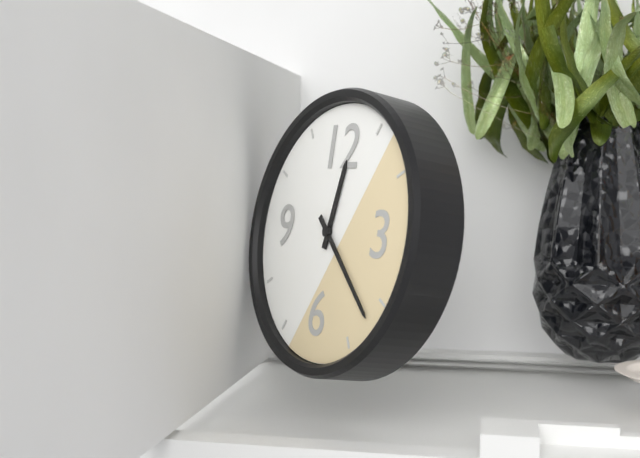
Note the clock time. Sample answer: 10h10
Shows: 12h22
